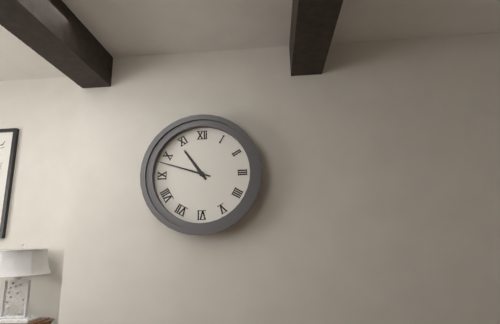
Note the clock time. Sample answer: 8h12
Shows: 10h48
